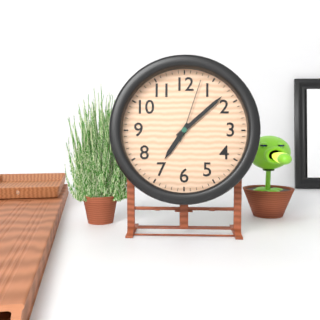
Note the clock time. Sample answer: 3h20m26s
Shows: 7h08m03s
